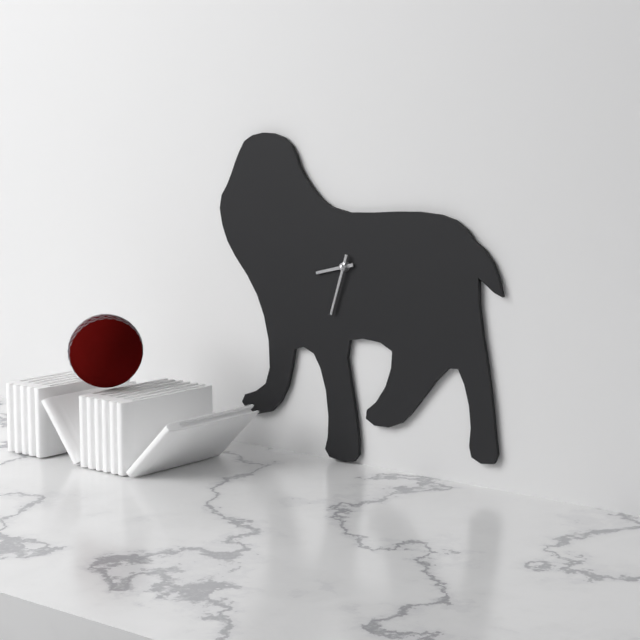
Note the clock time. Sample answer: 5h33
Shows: 8h33
